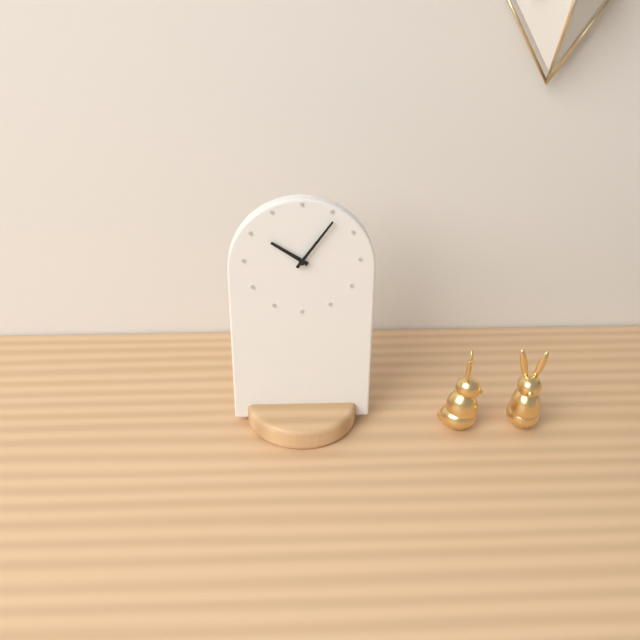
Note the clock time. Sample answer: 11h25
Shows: 10h06
